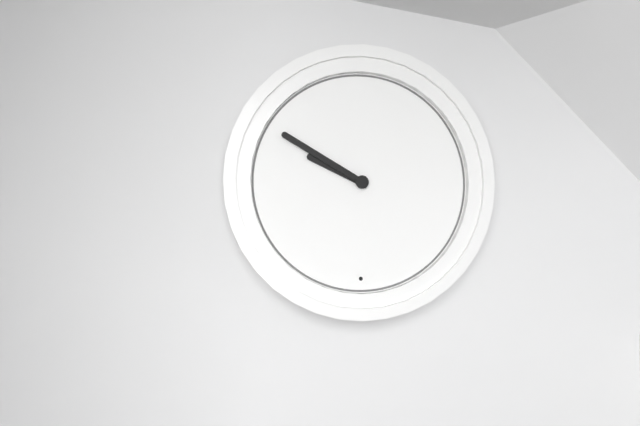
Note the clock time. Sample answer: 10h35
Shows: 9h50
